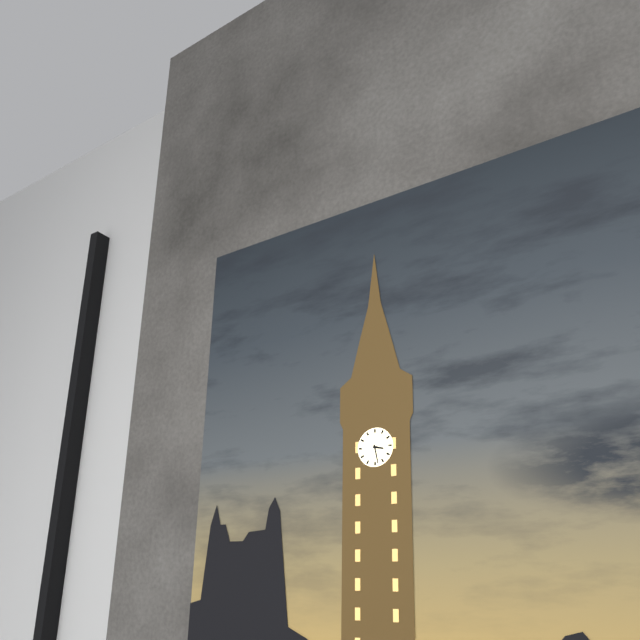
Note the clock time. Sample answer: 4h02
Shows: 3h28
